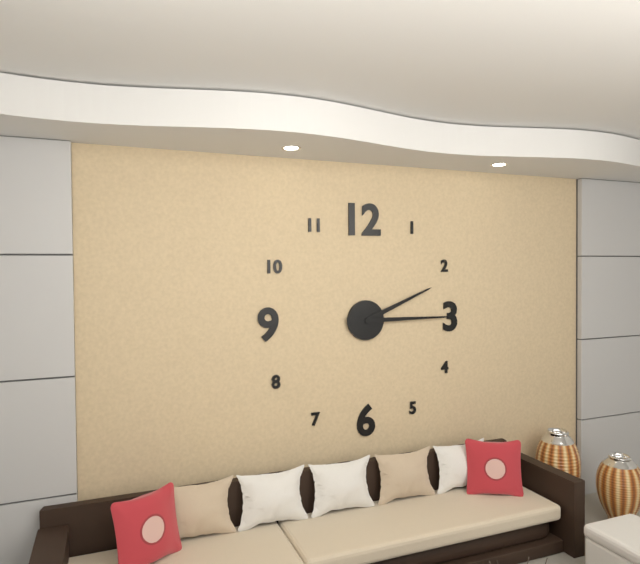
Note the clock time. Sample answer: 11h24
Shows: 2h15
